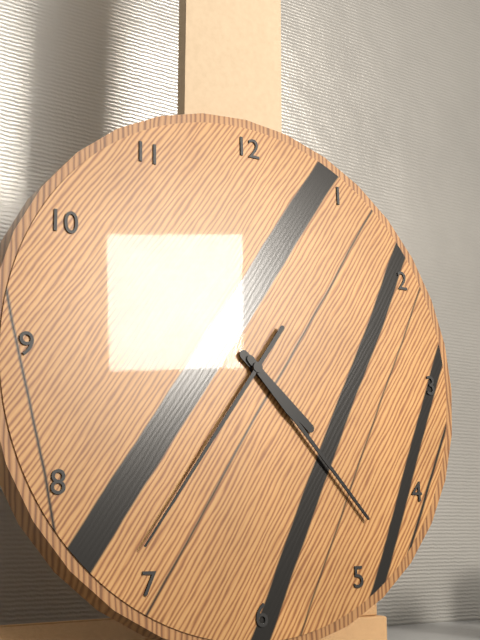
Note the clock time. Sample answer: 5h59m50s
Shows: 4h23m36s
